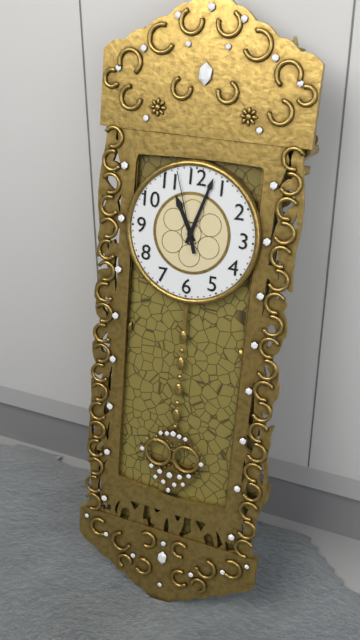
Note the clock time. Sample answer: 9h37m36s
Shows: 11h03m57s
